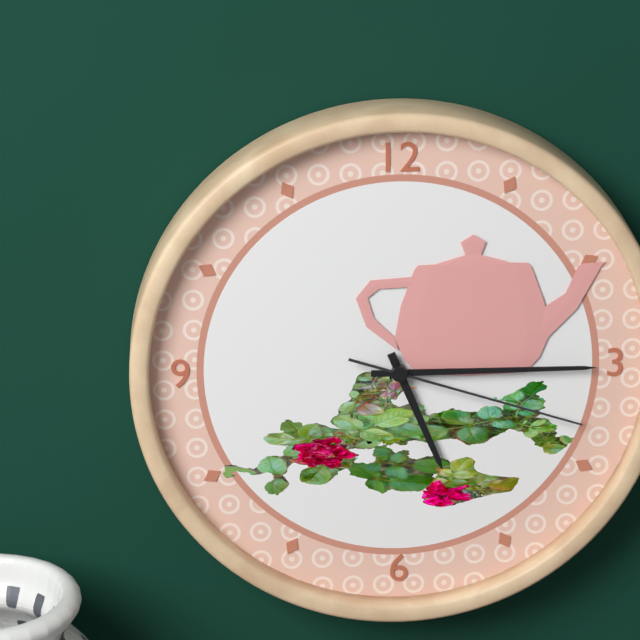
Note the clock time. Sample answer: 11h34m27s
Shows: 5h15m18s
